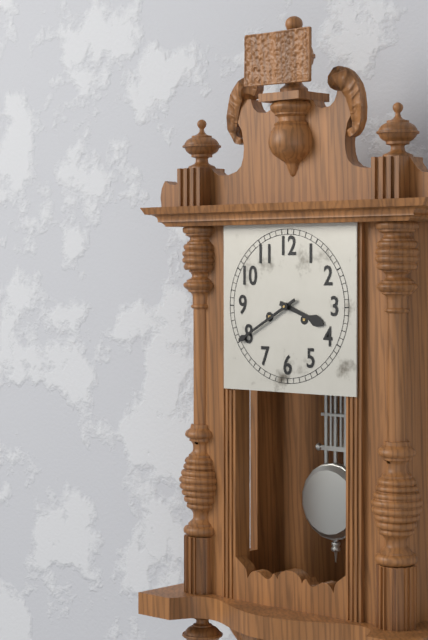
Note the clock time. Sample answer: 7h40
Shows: 3h40
